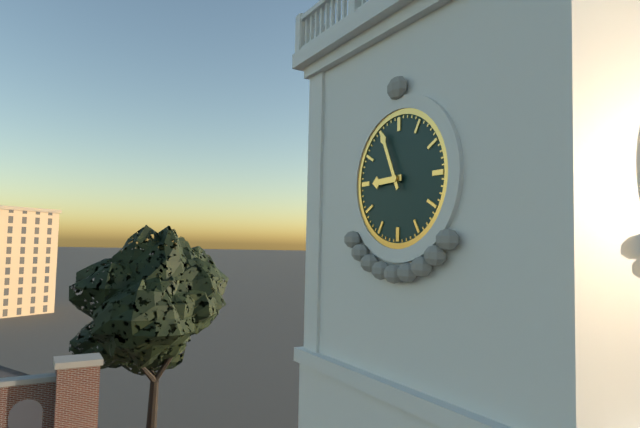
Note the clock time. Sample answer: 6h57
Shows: 8h56
